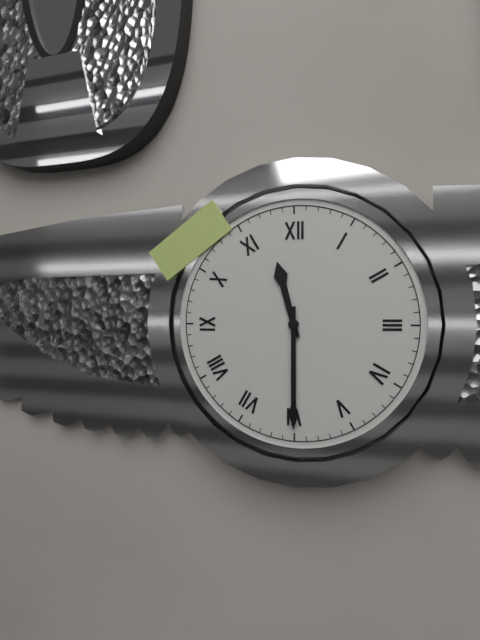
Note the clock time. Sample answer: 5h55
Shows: 11h30
